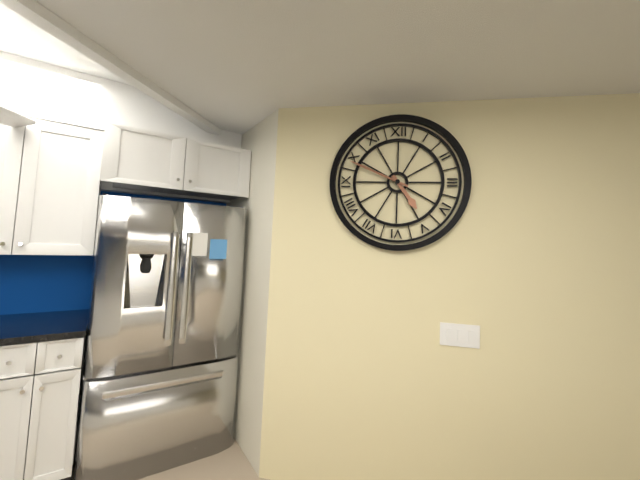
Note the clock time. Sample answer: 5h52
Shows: 4h49
